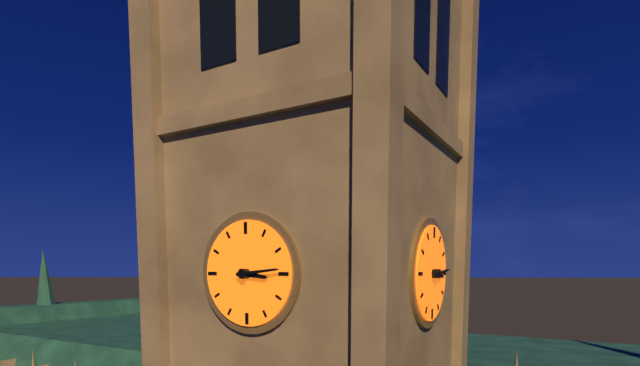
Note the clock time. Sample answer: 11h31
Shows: 3h14
